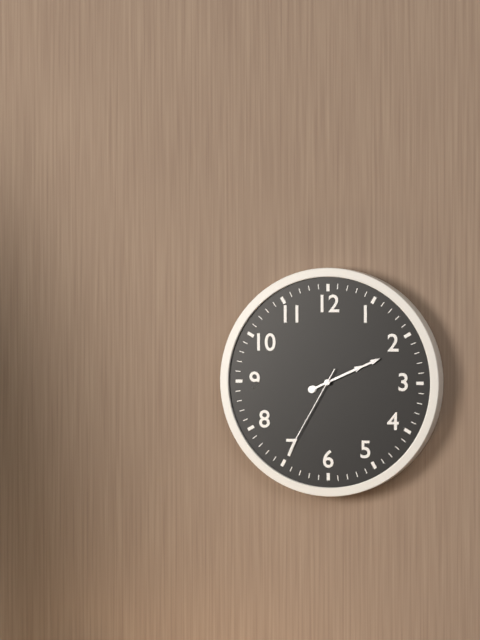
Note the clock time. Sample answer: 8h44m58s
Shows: 2h11m35s
